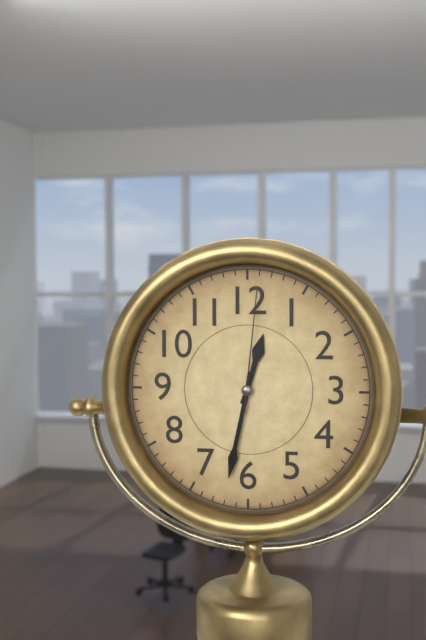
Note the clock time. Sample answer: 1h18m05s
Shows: 12h32m01s
